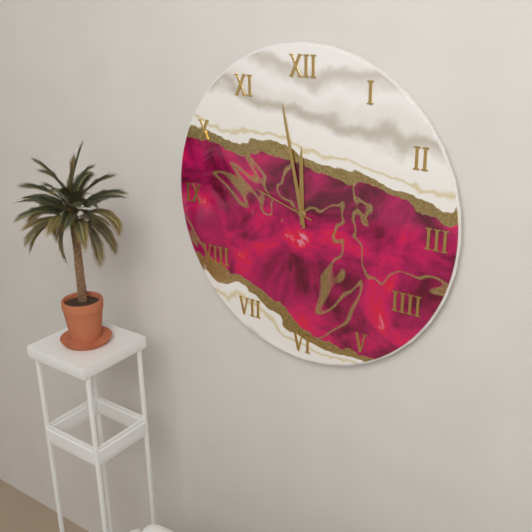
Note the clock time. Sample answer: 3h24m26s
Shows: 11h58m48s
